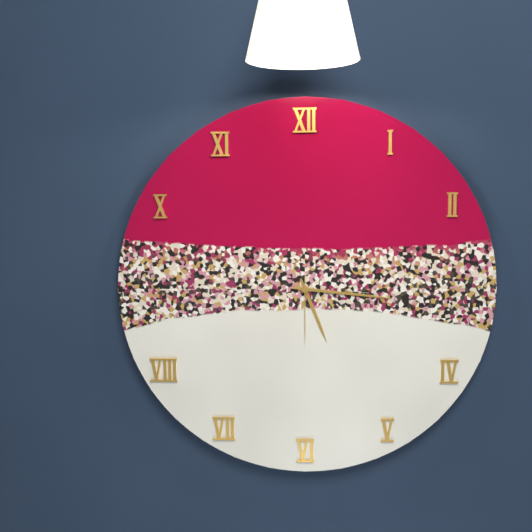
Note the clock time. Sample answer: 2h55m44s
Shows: 5h16m30s
